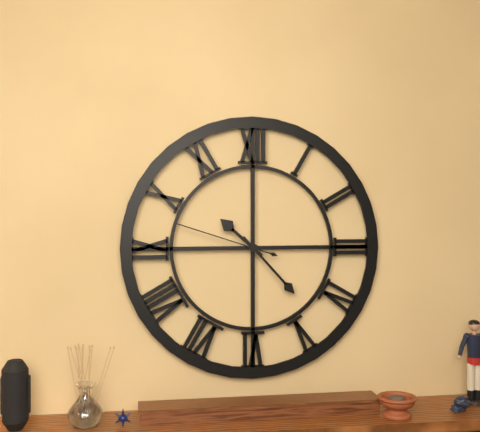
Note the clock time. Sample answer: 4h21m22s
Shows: 10h23m48s
